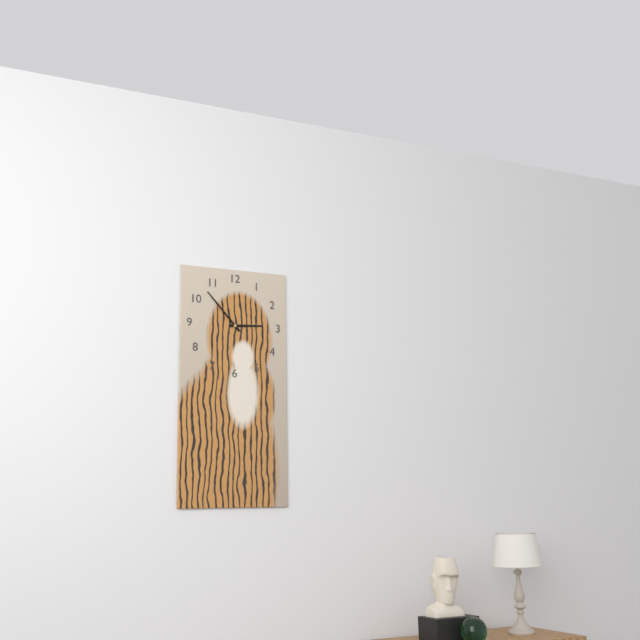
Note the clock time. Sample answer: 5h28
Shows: 2h53
